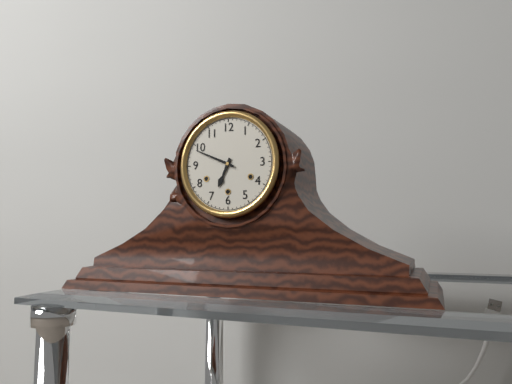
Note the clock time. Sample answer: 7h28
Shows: 6h49
